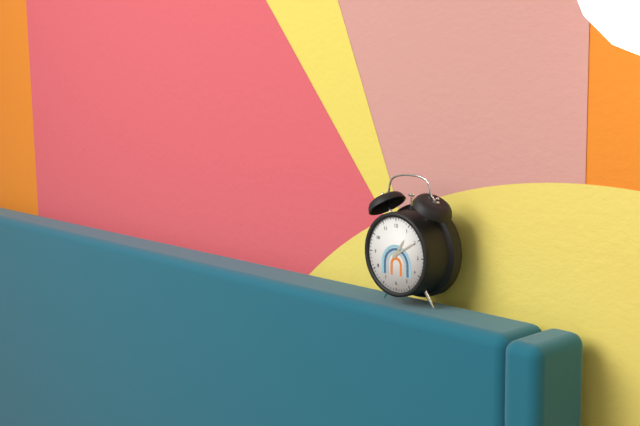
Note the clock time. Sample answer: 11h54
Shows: 1h10
